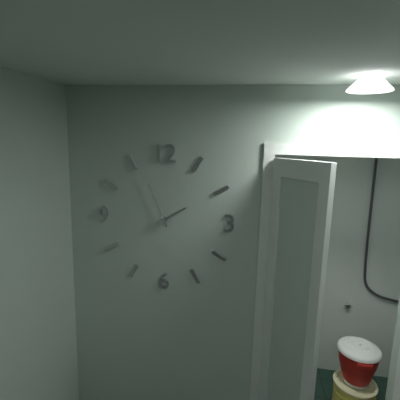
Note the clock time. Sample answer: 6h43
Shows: 1h56
